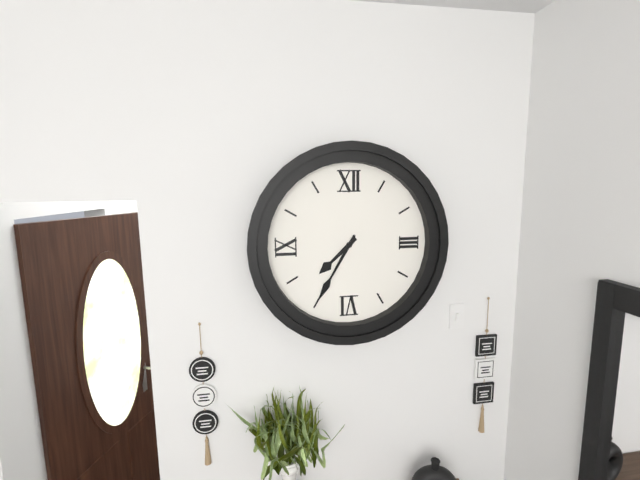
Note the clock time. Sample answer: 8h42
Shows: 7h35
